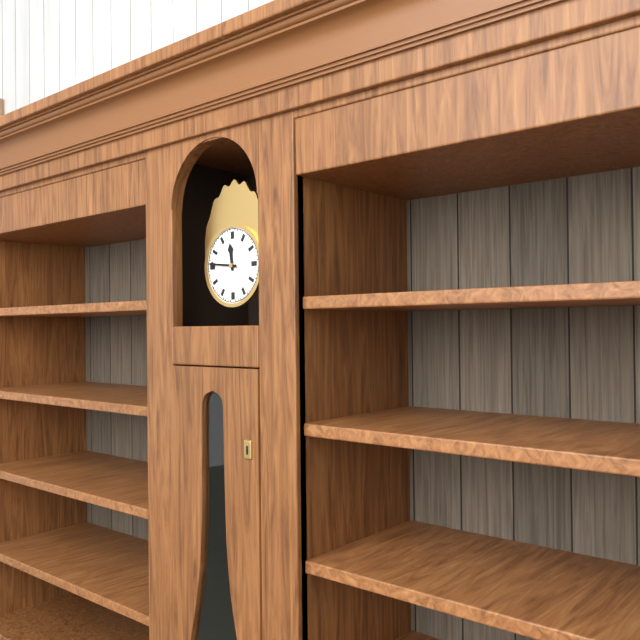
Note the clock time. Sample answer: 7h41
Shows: 11h46
